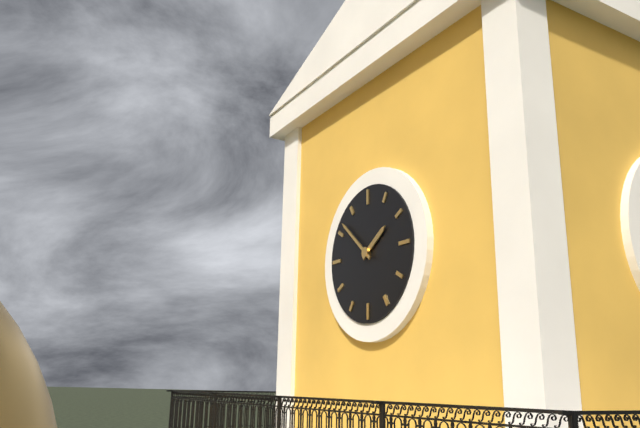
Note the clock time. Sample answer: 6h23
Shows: 1h52
